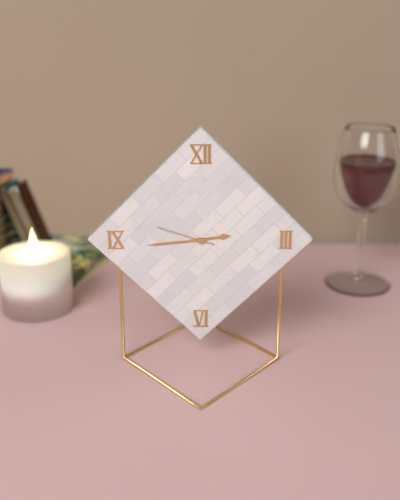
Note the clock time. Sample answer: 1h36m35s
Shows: 2h44m48s
